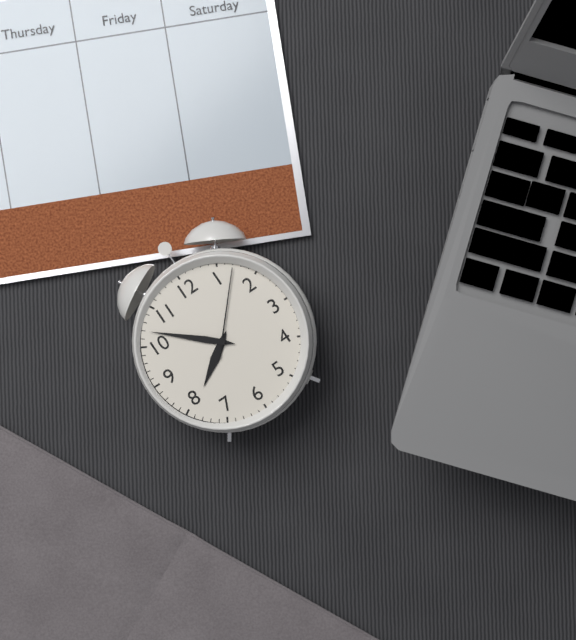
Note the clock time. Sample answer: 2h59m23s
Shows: 7h52m07s
